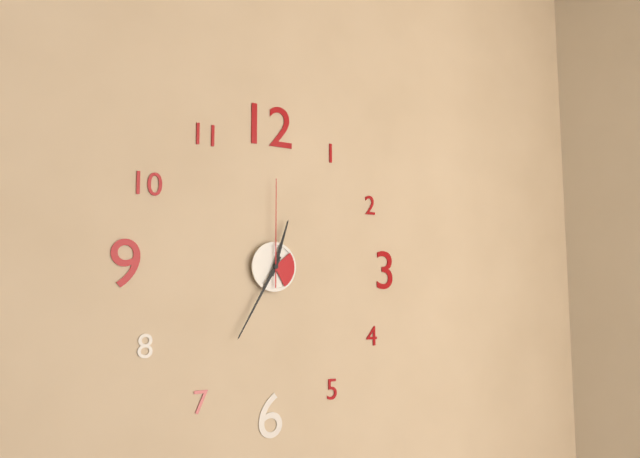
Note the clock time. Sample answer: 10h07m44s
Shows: 12h35m00s
